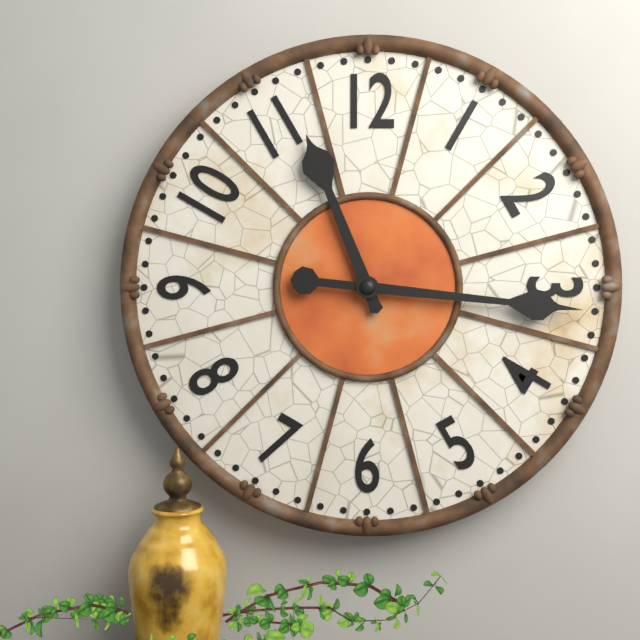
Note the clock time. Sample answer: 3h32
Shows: 11h16
